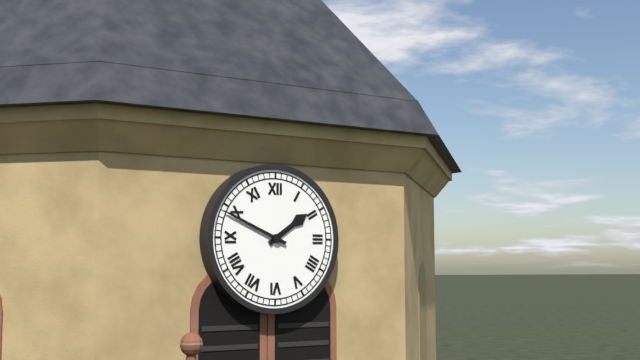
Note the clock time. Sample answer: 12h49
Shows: 1h49
